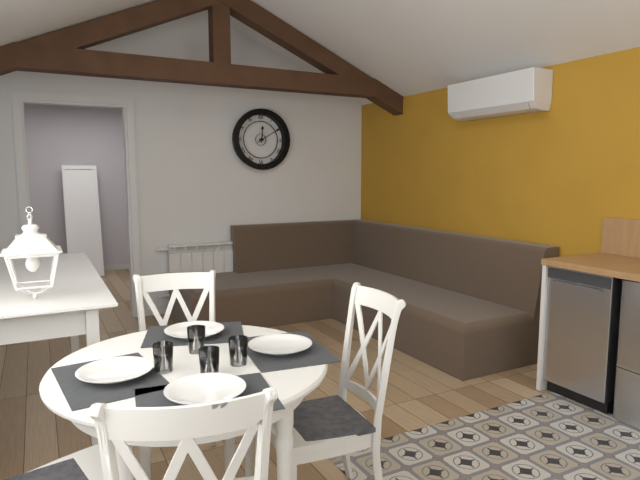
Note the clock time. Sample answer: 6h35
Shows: 12h10
